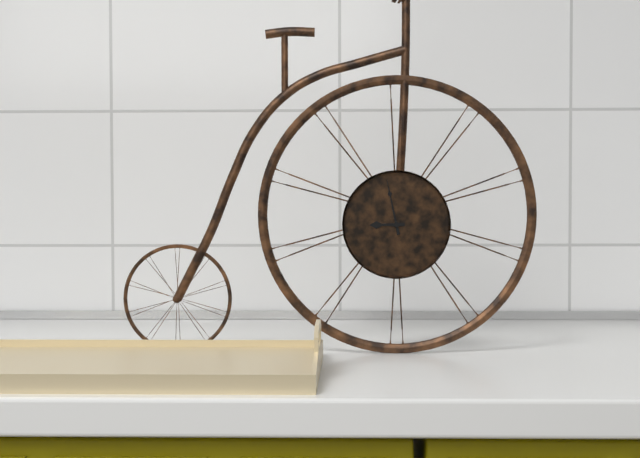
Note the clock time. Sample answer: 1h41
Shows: 8h58
